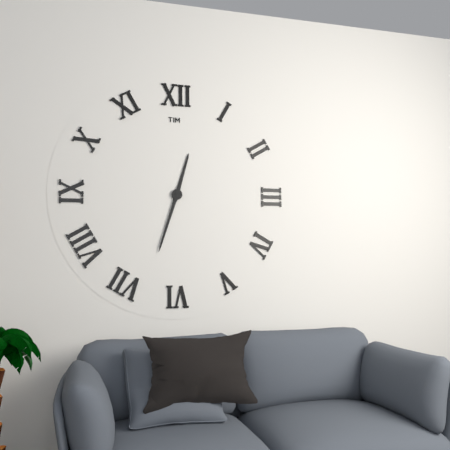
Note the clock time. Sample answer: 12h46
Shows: 12h33
